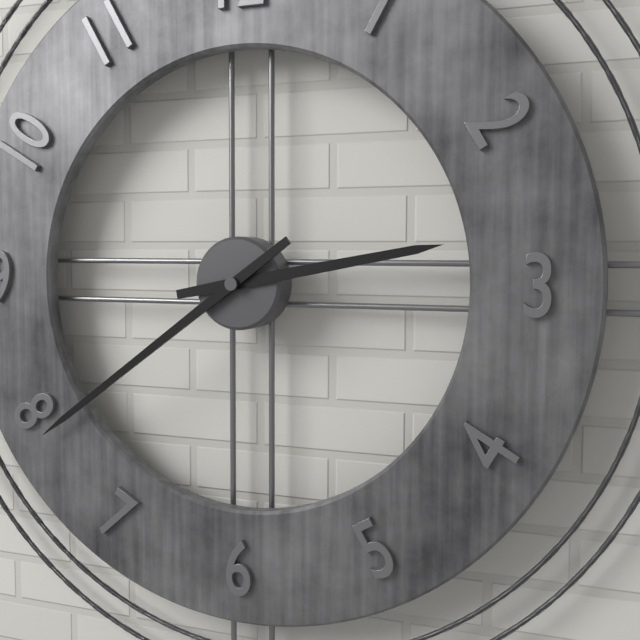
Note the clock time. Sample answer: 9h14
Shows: 2h39
